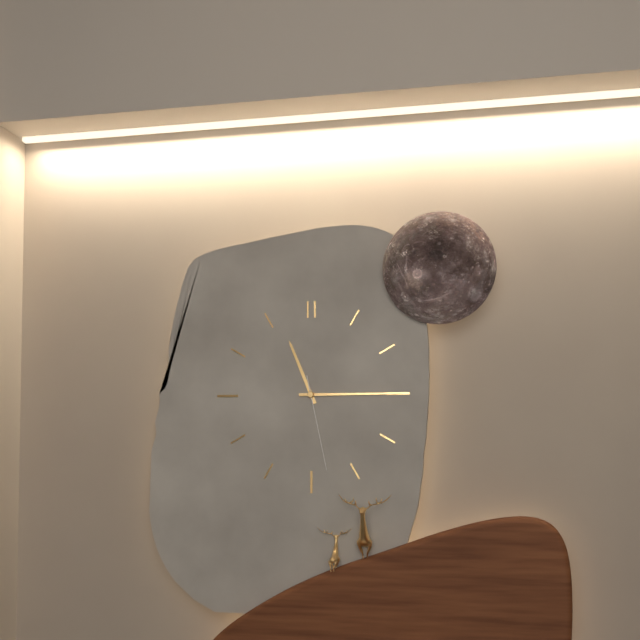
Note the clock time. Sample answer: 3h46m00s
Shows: 11h15m28s
